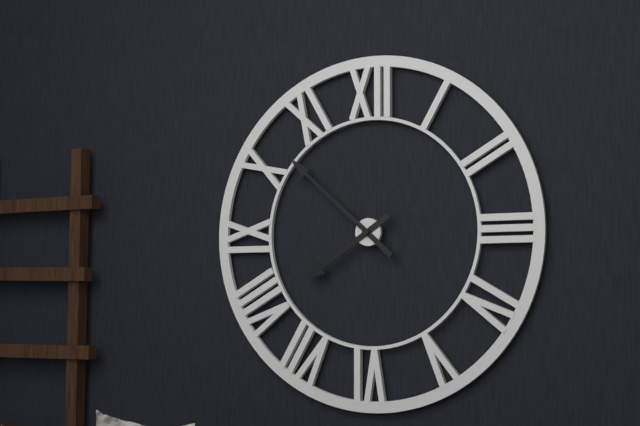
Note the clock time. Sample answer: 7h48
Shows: 7h52
